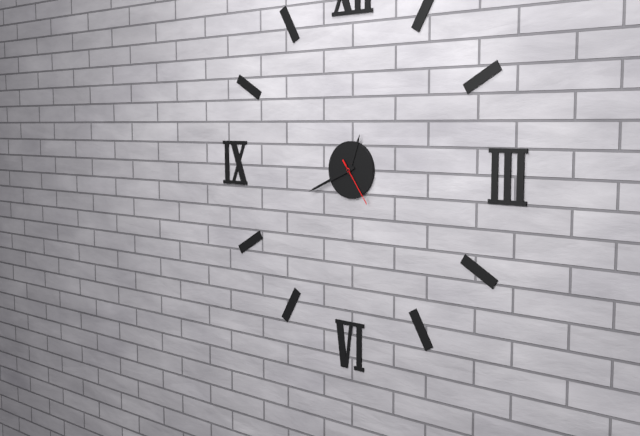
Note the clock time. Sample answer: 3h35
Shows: 12h41
